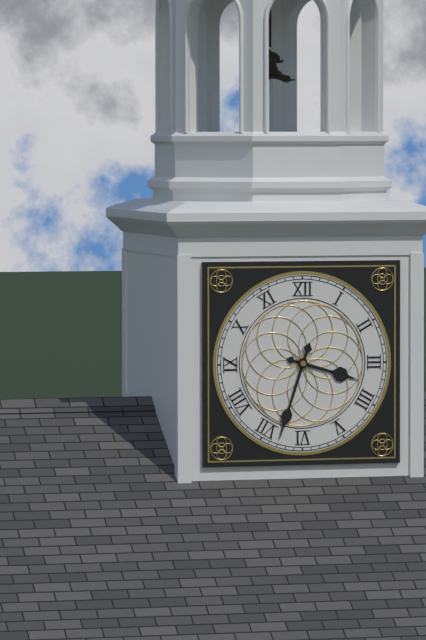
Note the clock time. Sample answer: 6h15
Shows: 3h33
